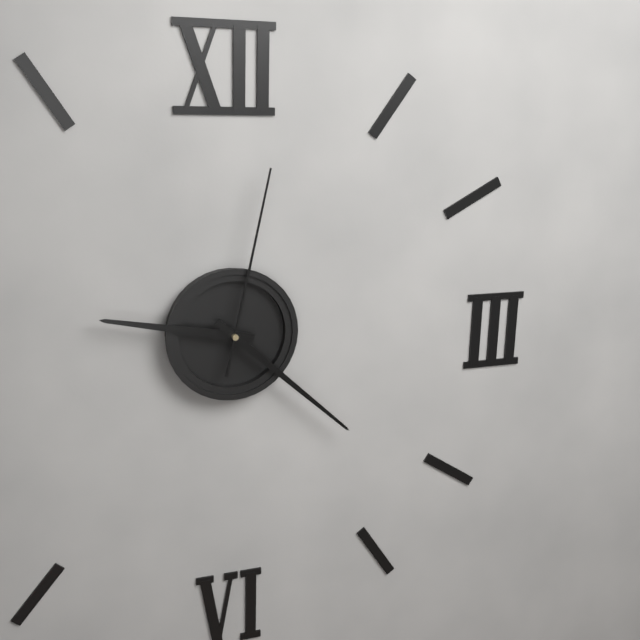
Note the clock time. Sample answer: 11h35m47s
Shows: 9h22m02s
